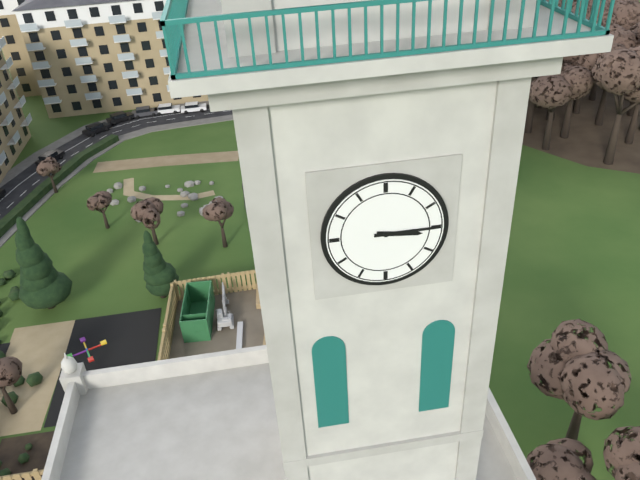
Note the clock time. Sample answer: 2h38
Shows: 3h15
